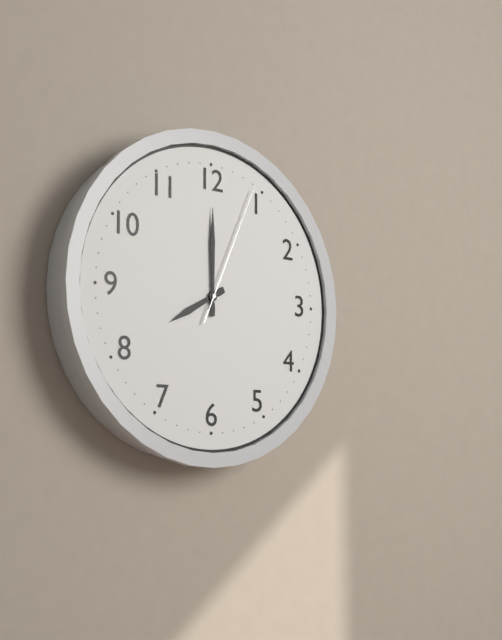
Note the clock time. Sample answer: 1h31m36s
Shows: 8h00m04s
